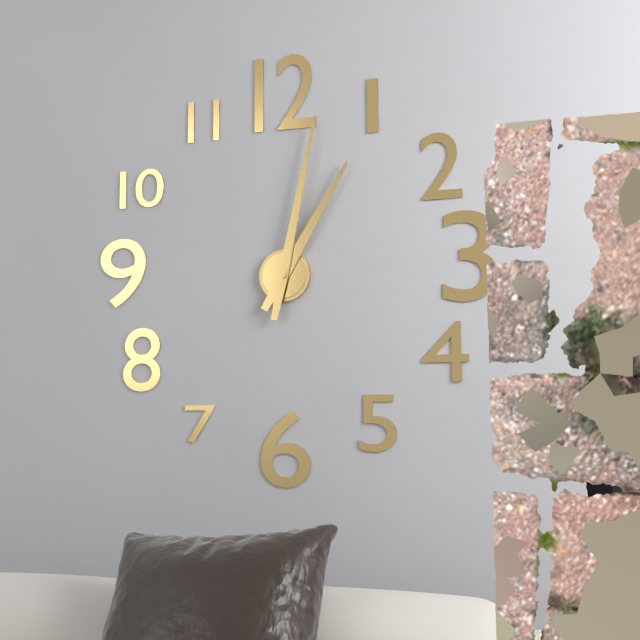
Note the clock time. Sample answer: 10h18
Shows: 1h02
